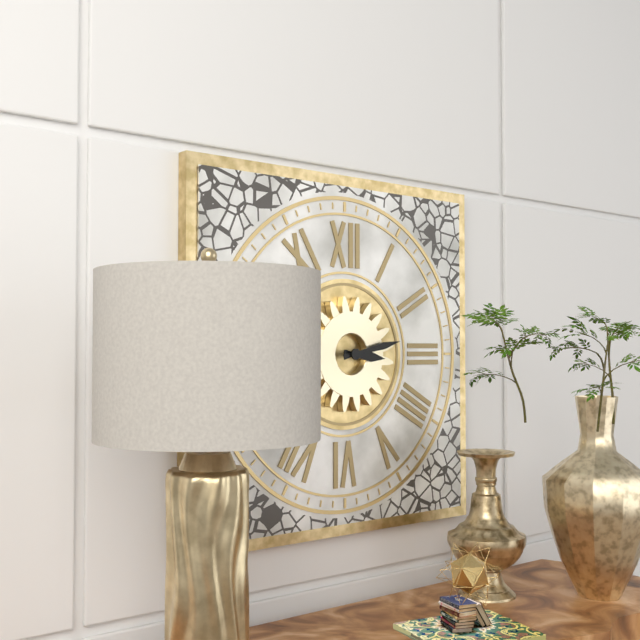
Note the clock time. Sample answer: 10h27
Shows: 3h13
